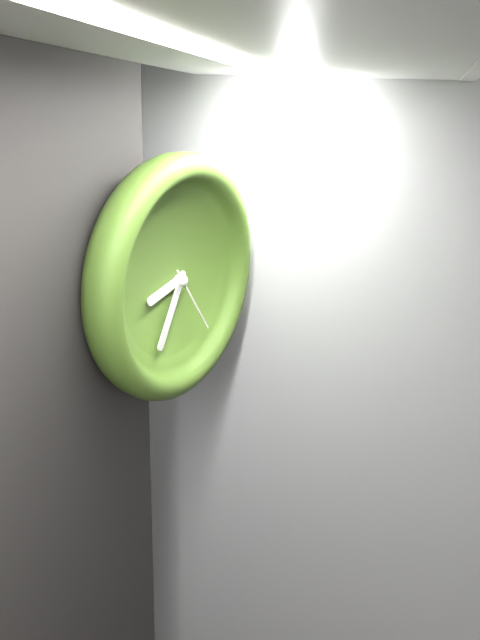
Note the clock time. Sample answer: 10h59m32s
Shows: 8h35m24s
